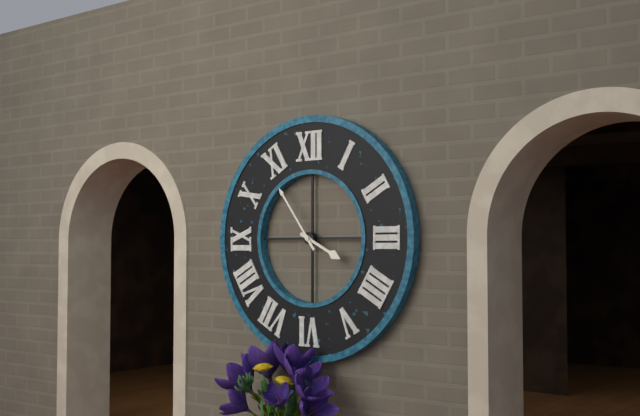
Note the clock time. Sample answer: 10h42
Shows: 3h54
